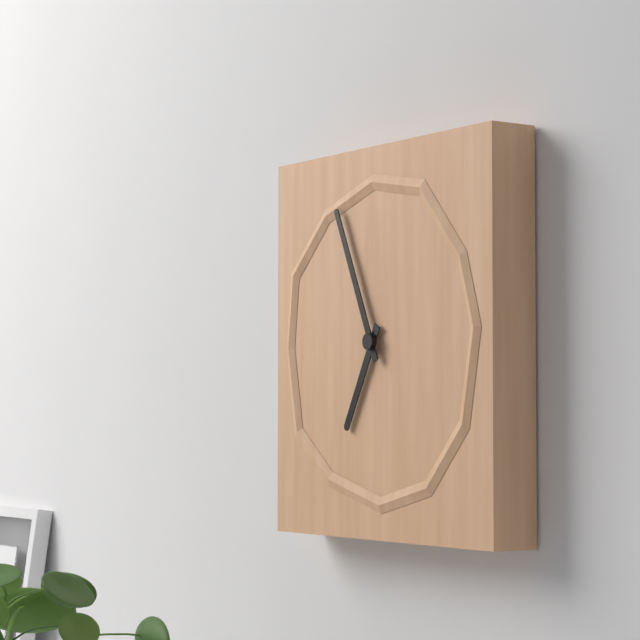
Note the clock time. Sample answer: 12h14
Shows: 6h56
